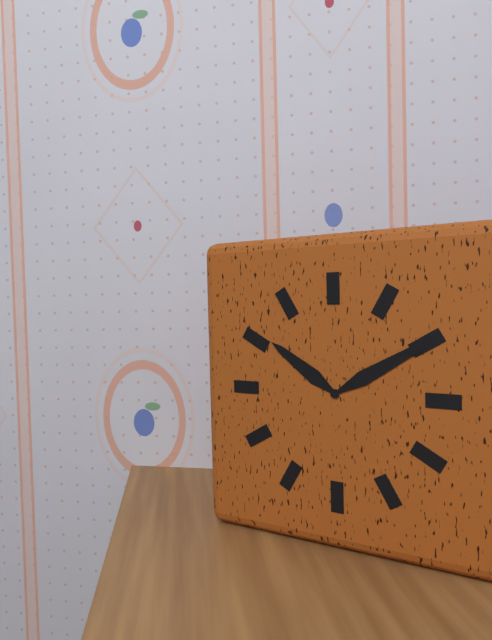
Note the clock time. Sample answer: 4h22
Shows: 10h10
